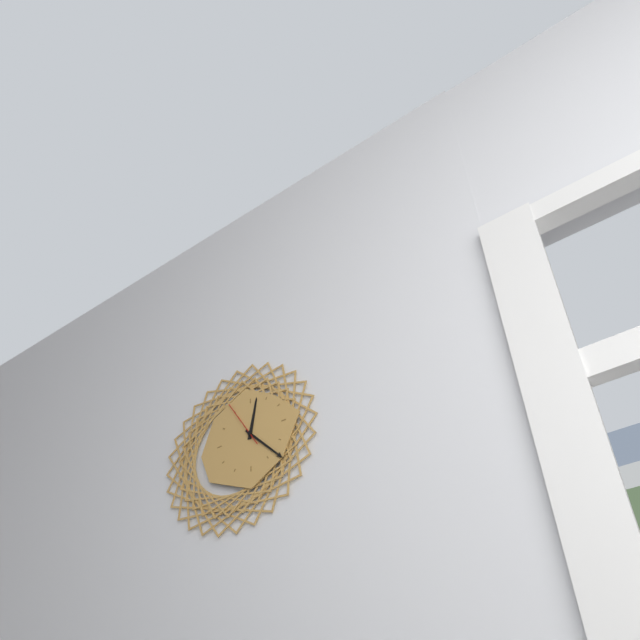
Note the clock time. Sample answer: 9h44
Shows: 12h23
